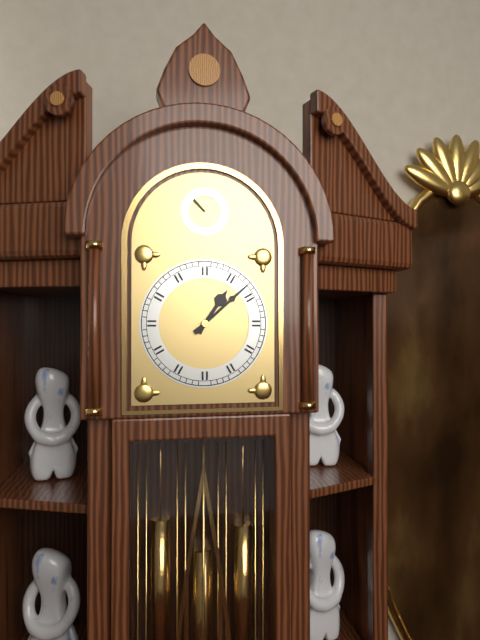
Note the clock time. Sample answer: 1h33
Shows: 1h08
